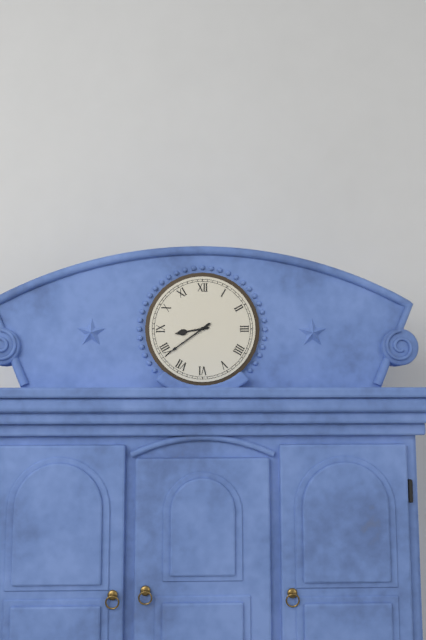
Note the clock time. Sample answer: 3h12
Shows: 8h39
